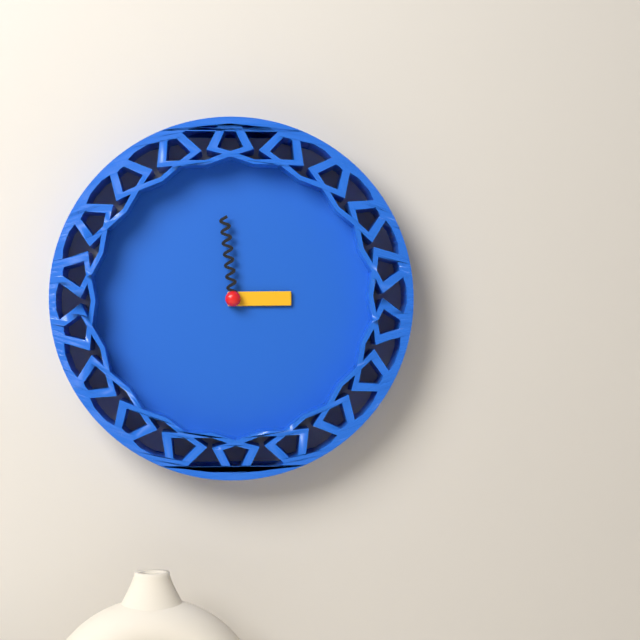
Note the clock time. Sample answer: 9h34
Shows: 2h59
